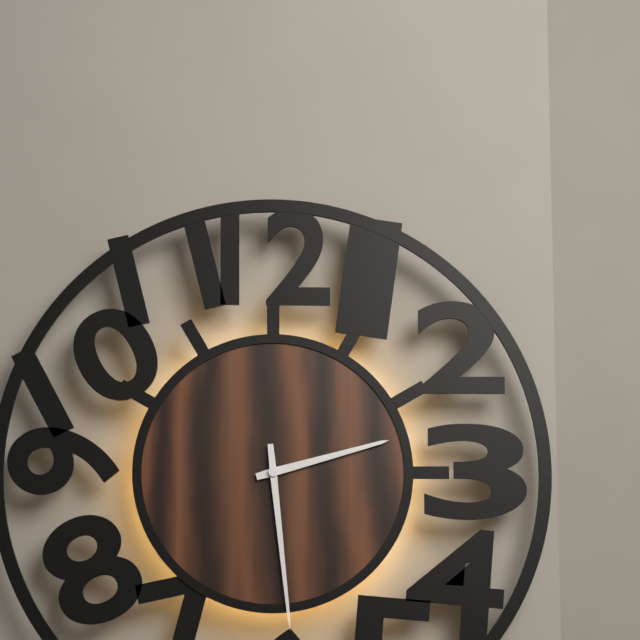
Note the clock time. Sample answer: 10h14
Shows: 2h29
